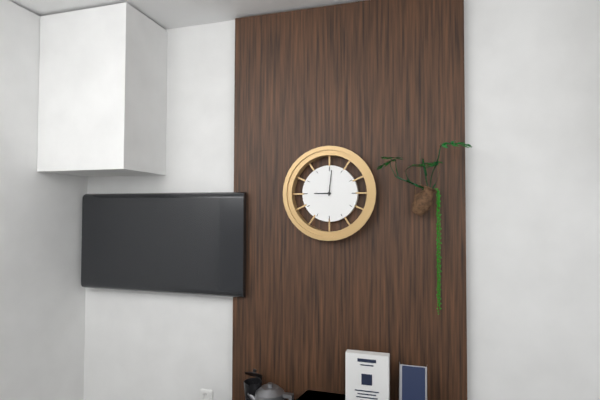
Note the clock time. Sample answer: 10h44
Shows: 9h01
